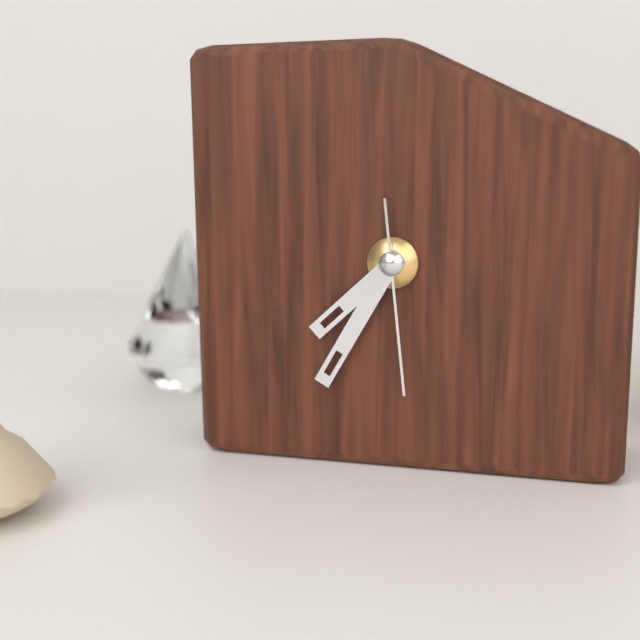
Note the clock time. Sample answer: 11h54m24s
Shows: 7h35m29s
